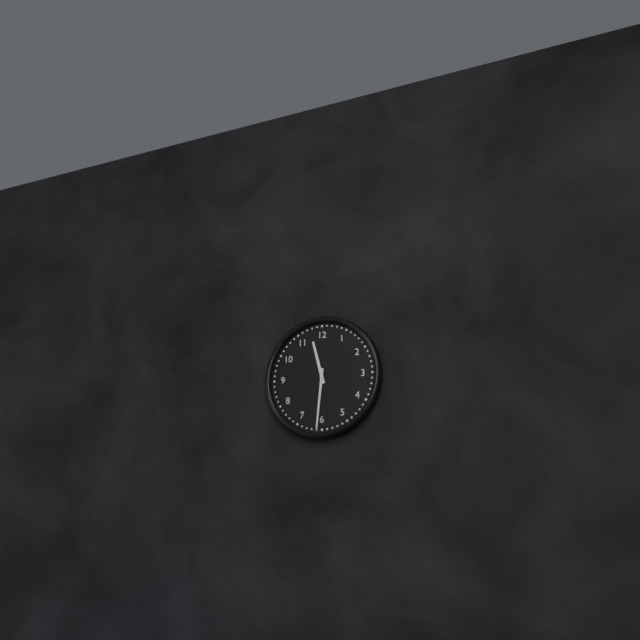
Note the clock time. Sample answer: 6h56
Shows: 11h31
